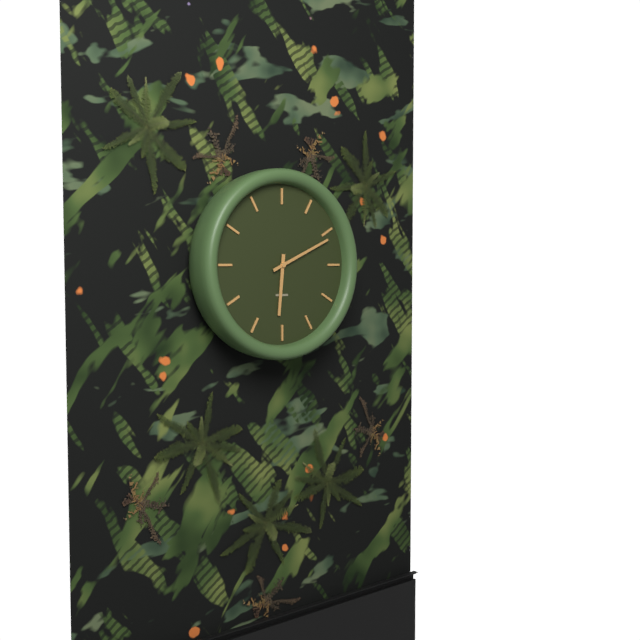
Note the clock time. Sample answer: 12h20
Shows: 6h11
